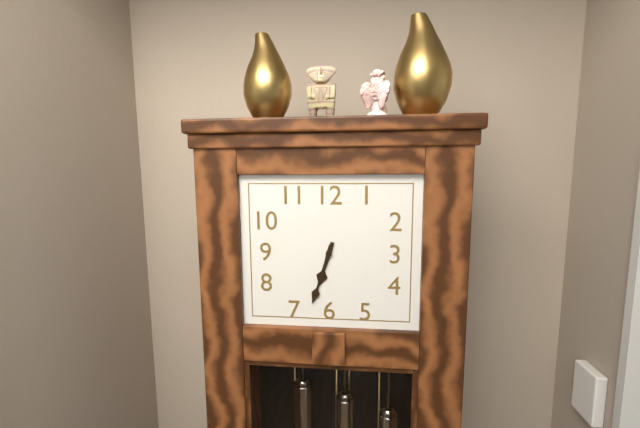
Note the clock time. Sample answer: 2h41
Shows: 6h33
